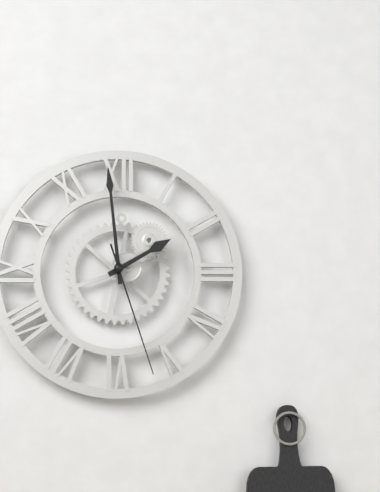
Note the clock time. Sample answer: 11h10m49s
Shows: 1h59m27s
